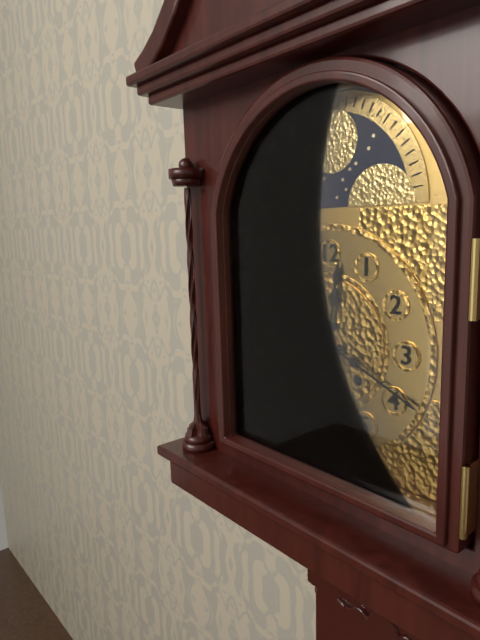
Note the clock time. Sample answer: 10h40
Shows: 12h19
